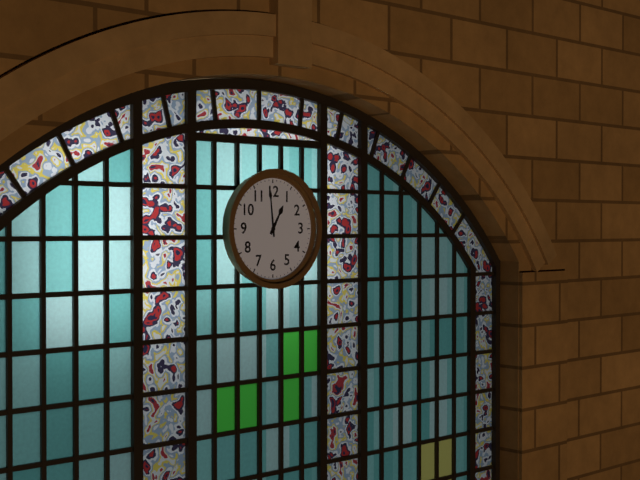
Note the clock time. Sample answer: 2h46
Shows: 12h59
